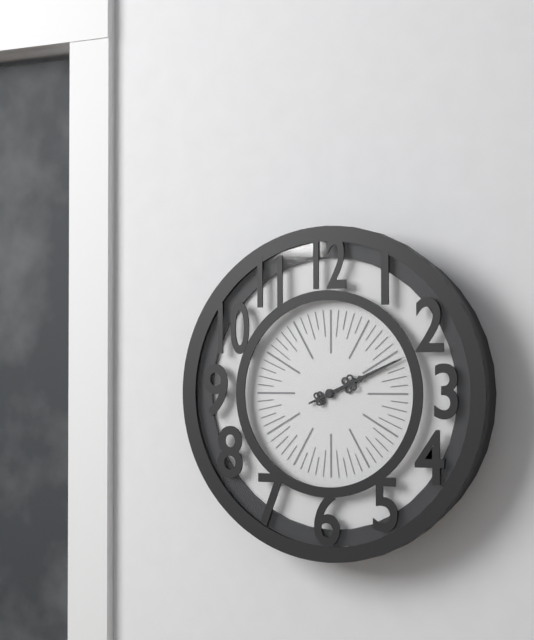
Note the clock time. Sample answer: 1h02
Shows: 2h11
